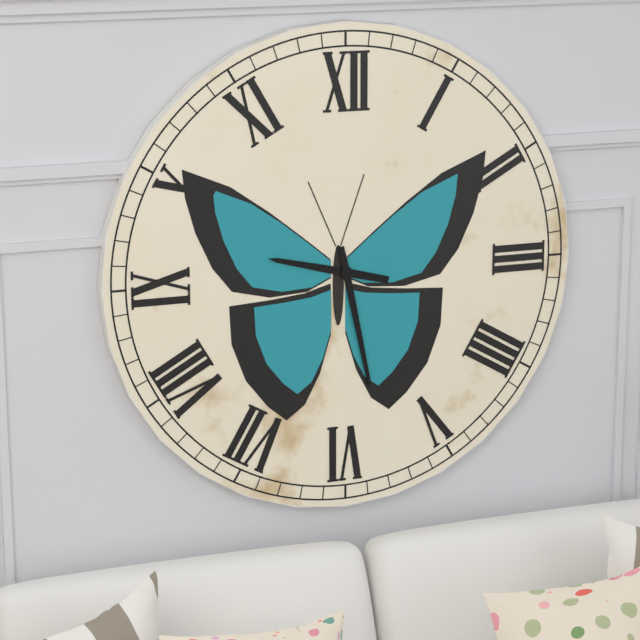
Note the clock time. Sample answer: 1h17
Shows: 9h28
